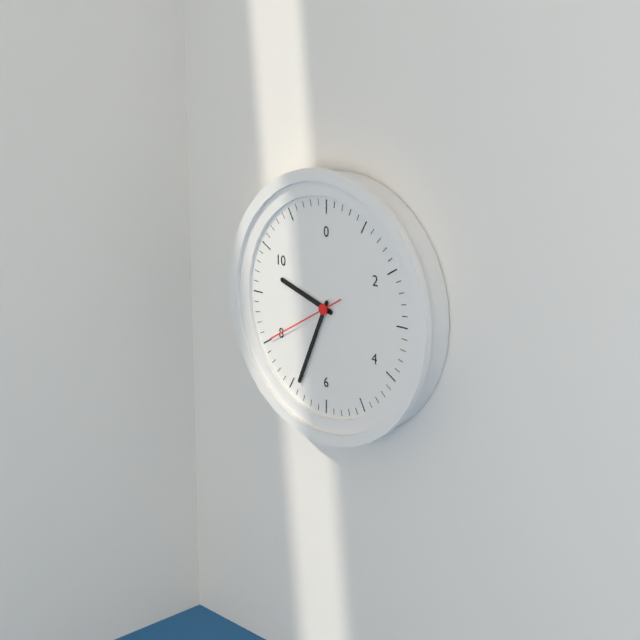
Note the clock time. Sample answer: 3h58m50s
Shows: 9h34m40s
